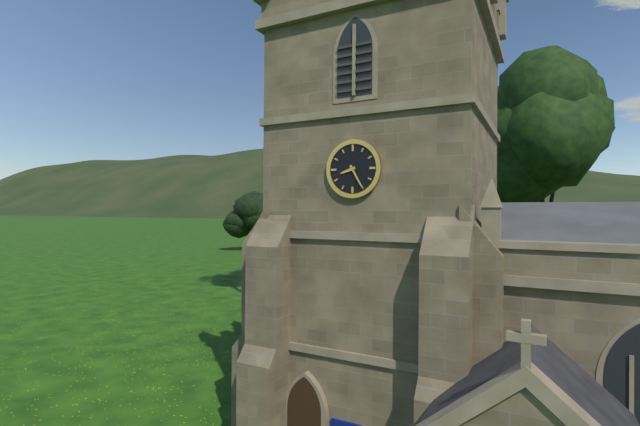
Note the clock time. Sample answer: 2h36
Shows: 8h25
